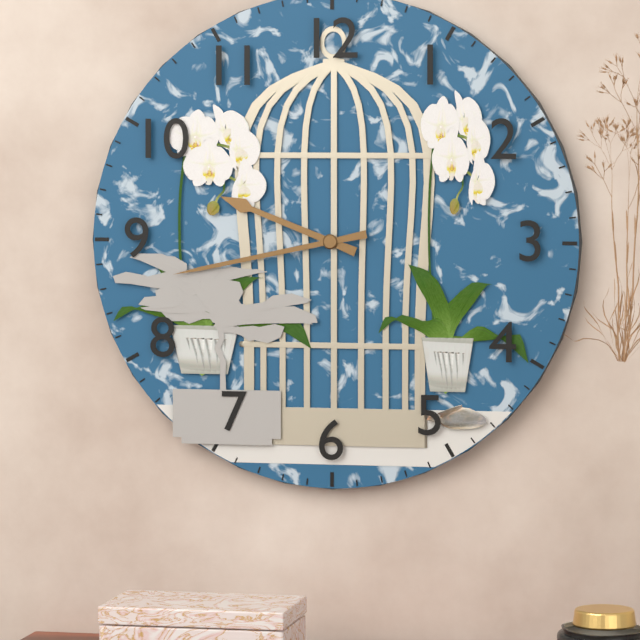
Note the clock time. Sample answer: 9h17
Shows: 9h43
